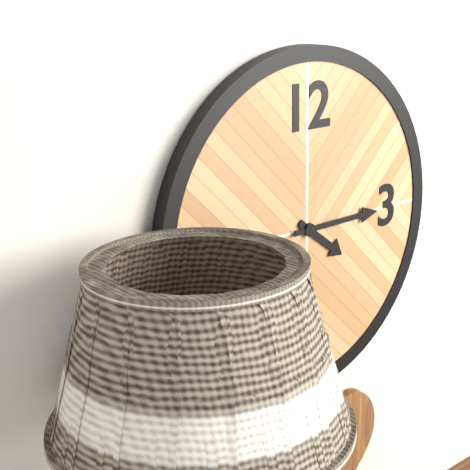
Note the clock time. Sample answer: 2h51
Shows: 4h15
